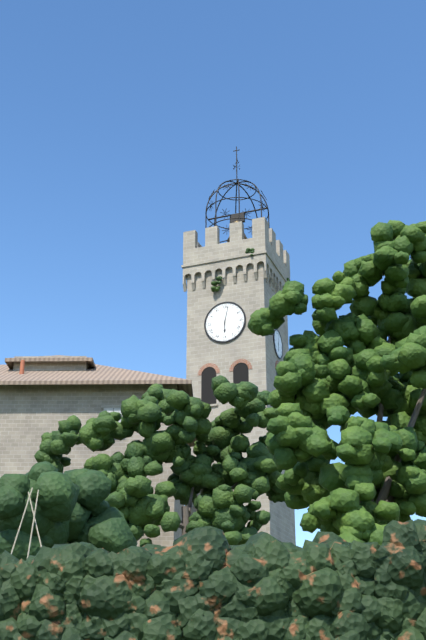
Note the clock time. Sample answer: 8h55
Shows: 6h02
